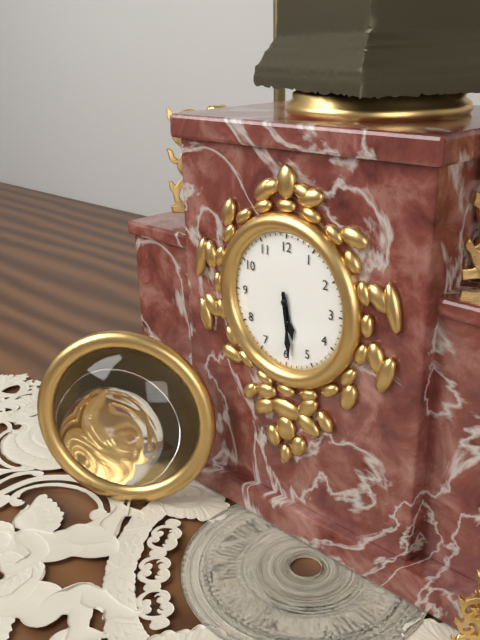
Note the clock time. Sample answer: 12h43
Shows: 5h29
